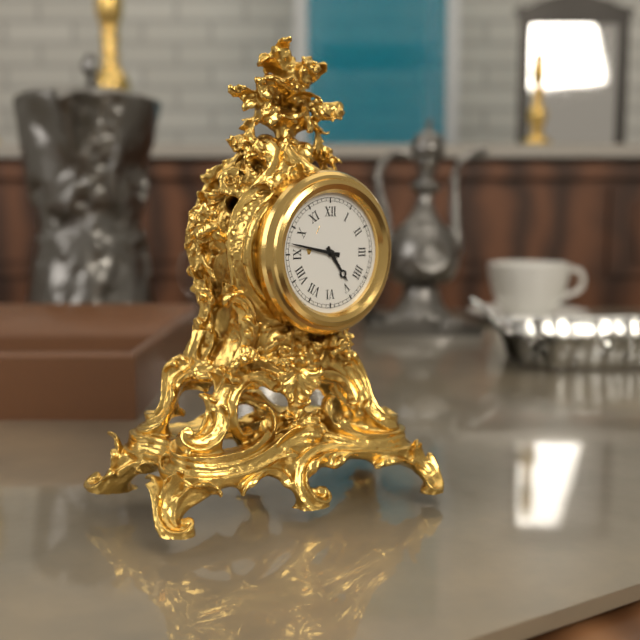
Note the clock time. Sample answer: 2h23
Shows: 4h47
